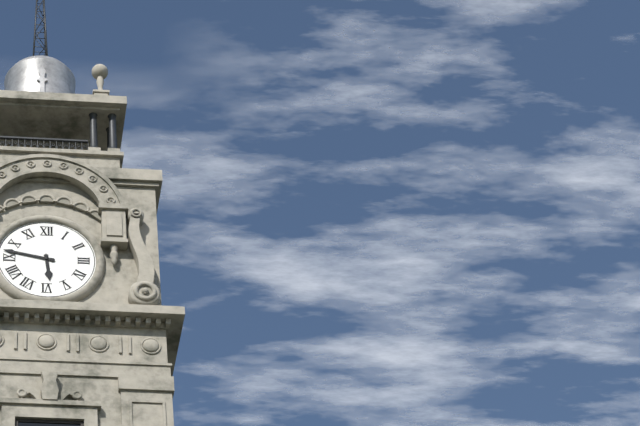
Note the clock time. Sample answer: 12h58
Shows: 5h47
